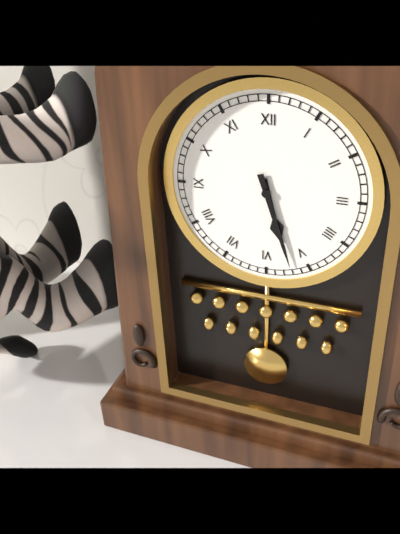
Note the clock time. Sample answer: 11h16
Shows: 5h27
